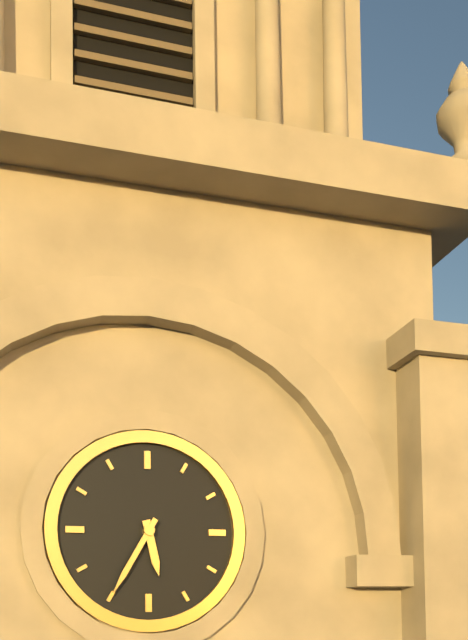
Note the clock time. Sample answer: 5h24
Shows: 5h35
